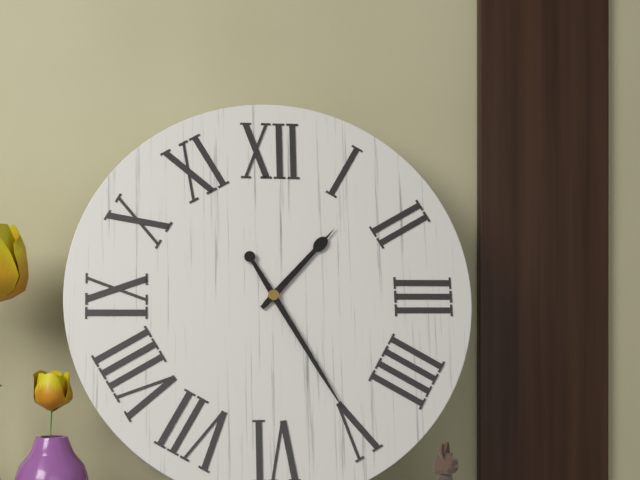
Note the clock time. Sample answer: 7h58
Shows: 1h25
